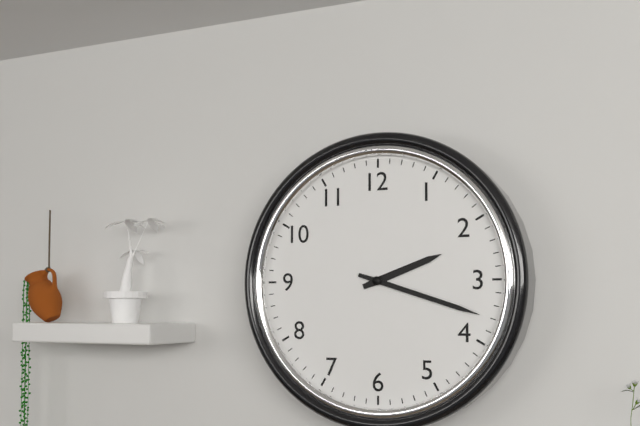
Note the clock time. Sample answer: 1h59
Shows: 2h18
